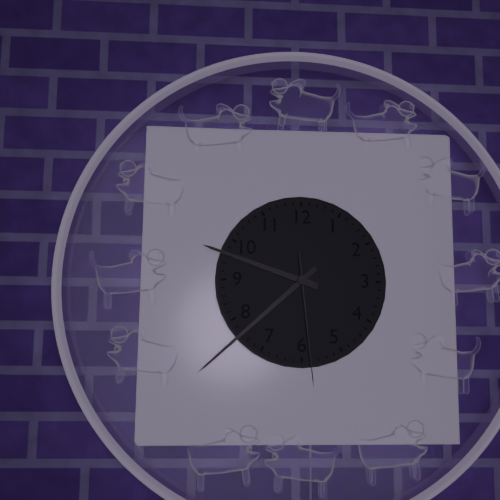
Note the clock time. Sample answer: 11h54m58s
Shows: 9h38m29s
